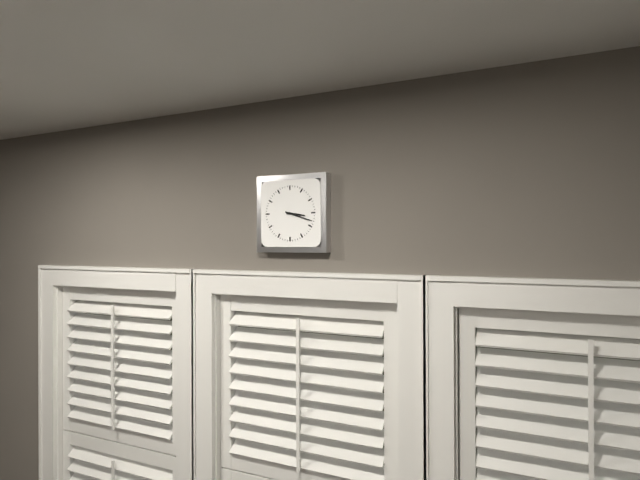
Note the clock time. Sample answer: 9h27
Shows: 3h18
